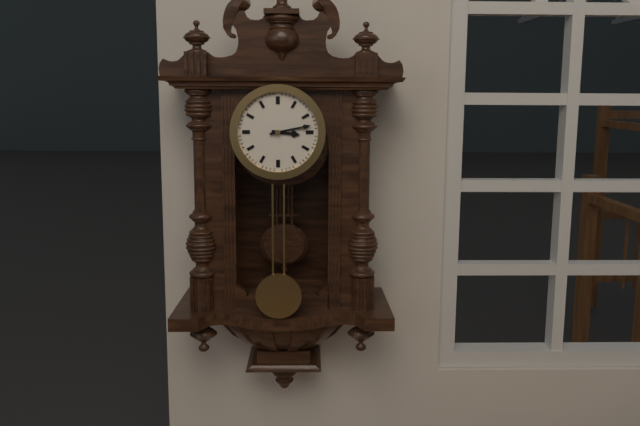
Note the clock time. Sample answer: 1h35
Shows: 3h13
